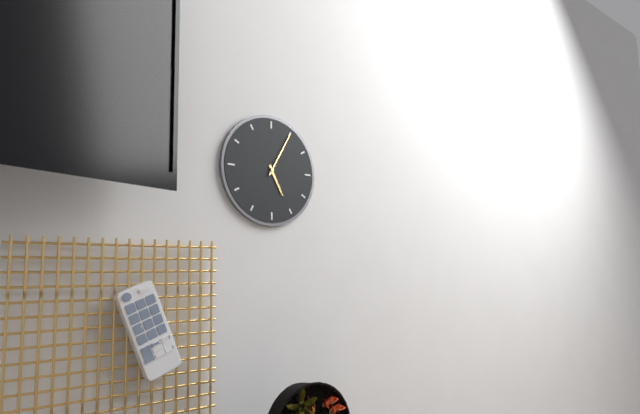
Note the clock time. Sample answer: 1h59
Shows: 5h05
